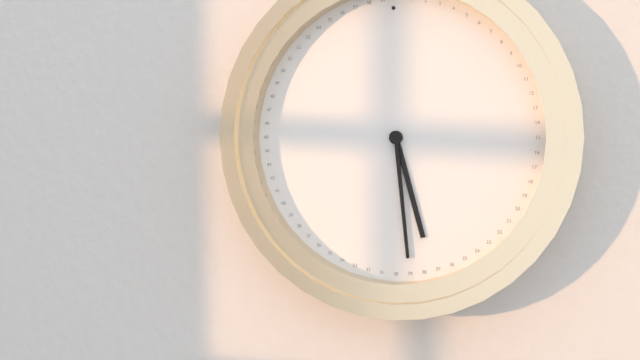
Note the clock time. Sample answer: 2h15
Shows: 5h29
